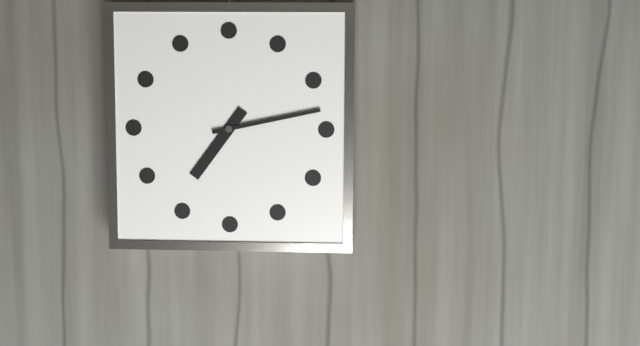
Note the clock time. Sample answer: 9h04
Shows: 7h13
